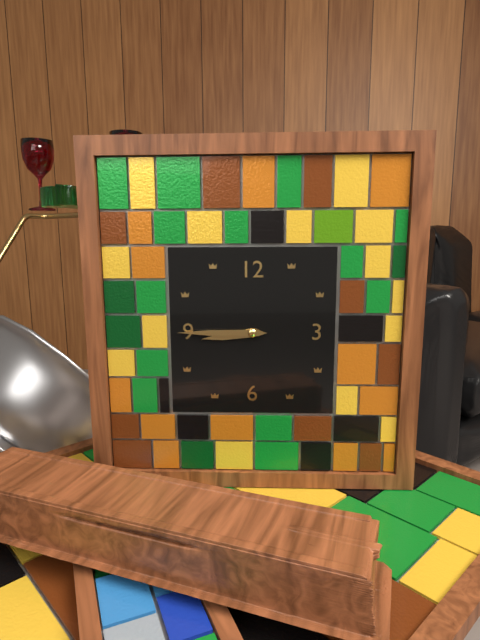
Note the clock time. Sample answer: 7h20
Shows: 8h45
